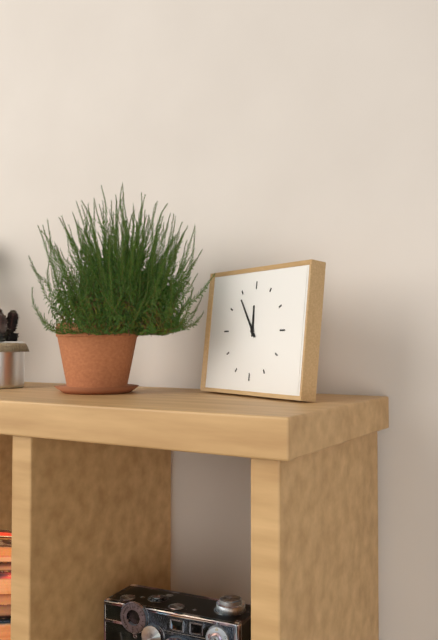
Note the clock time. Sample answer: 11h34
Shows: 11h54
